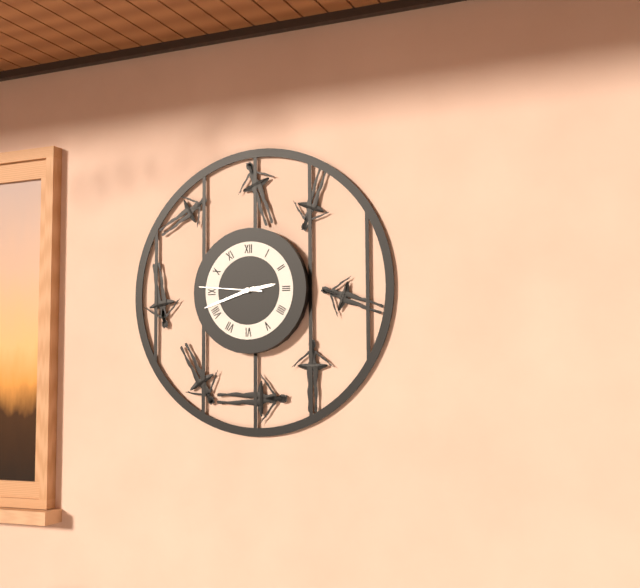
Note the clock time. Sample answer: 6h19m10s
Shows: 2h42m46s
